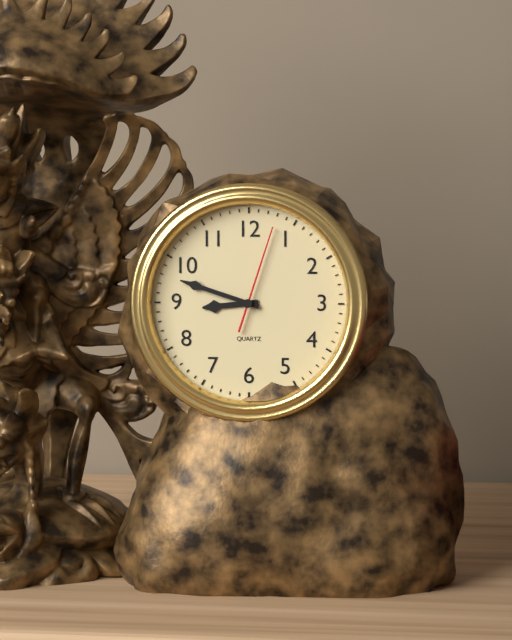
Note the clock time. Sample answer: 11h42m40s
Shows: 8h48m03s
